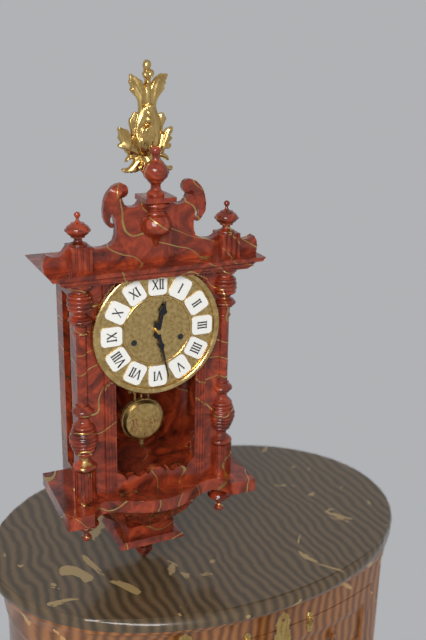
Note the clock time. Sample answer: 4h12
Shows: 12h28
